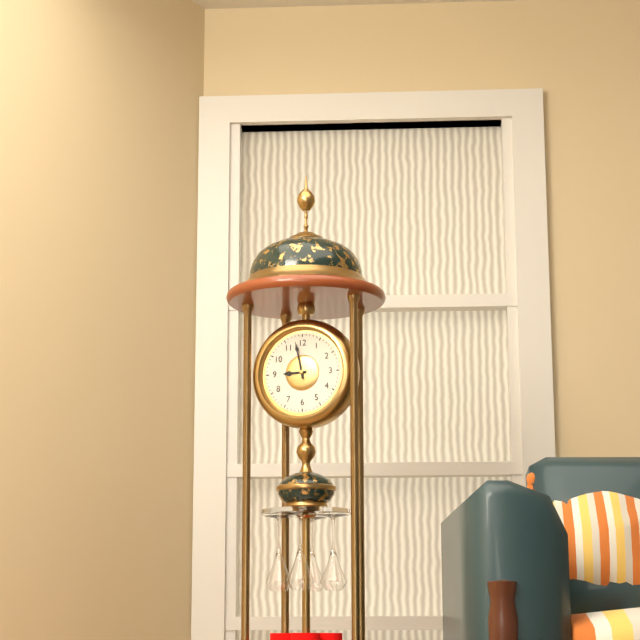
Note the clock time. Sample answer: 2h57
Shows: 8h58
